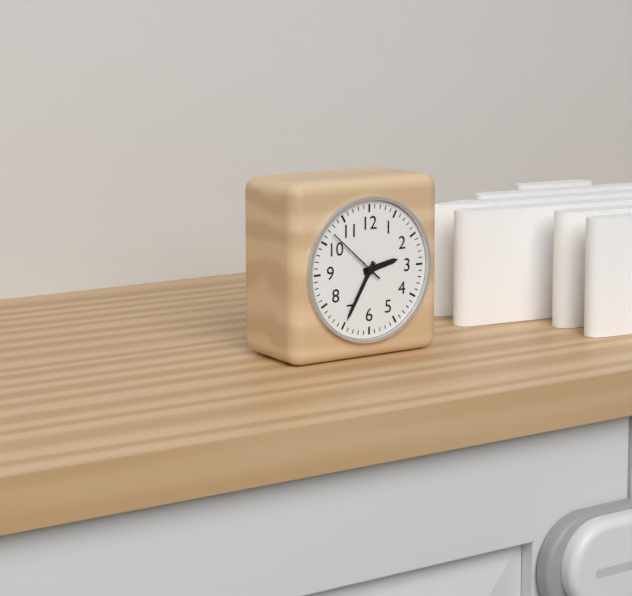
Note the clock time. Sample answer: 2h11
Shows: 2h35
